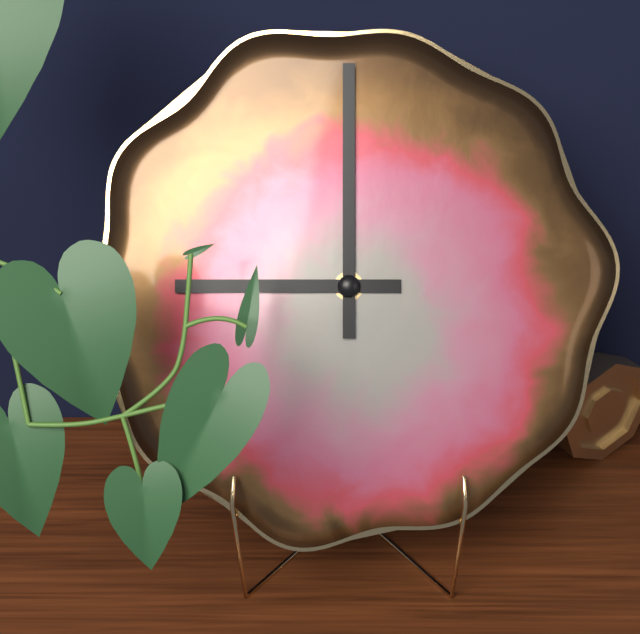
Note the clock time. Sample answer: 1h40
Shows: 9h00
